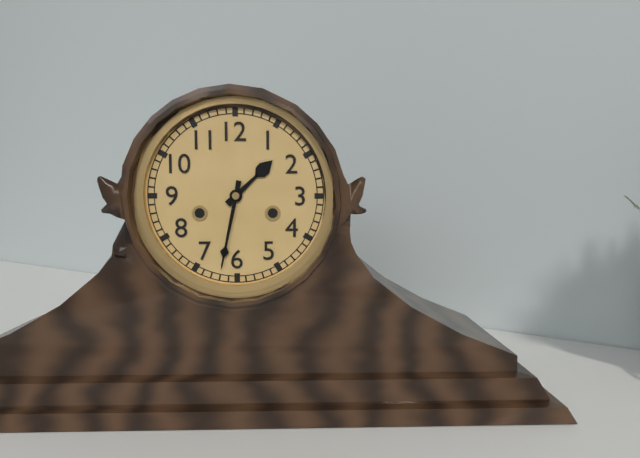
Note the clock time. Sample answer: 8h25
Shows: 1h32
